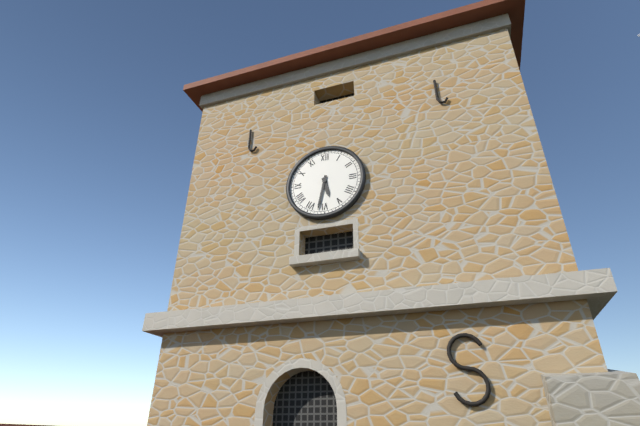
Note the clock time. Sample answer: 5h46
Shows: 5h32
